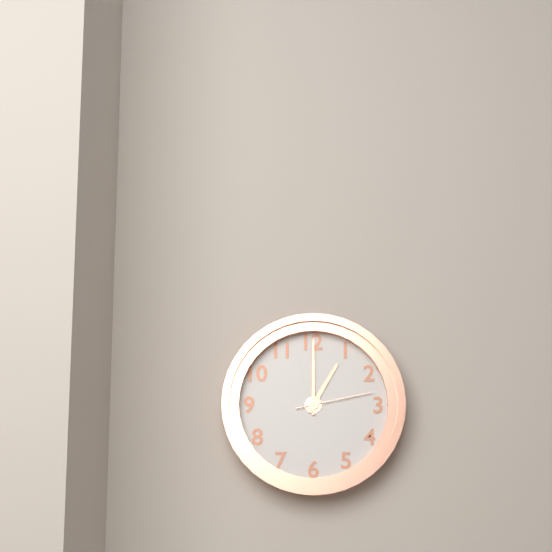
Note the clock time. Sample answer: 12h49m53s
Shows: 1h00m13s
